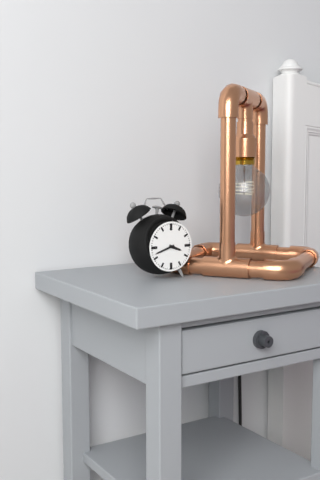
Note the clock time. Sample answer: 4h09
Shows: 3h42
